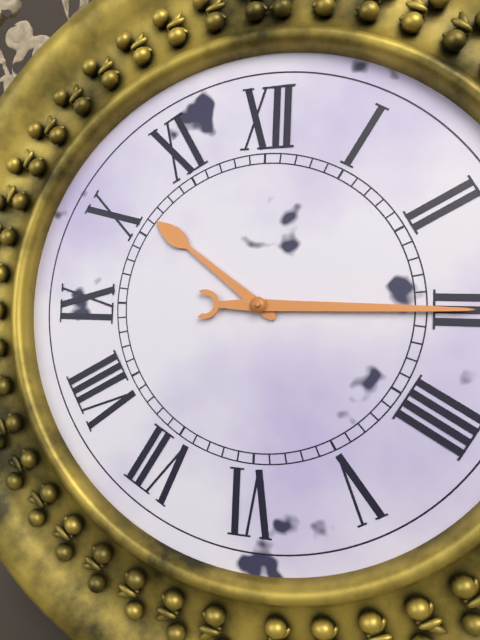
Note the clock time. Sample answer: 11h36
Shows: 10h15
